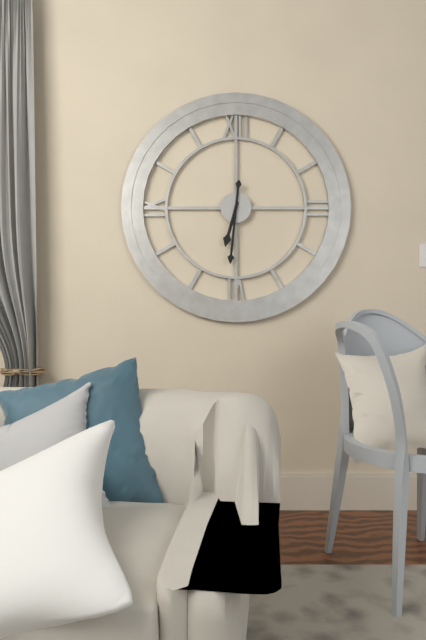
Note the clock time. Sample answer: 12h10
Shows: 6h31
